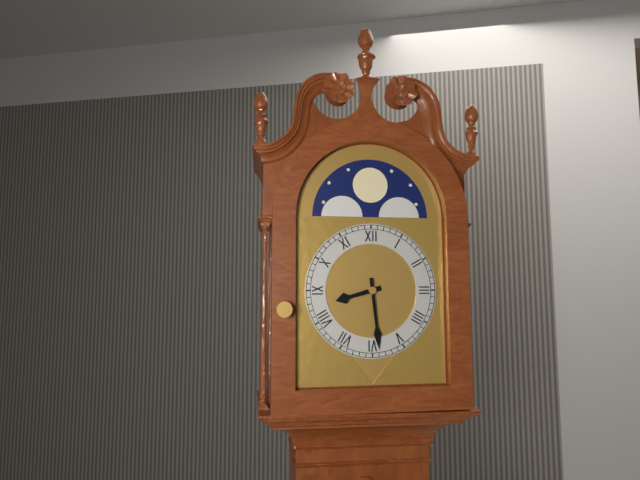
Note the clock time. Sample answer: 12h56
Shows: 8h29
